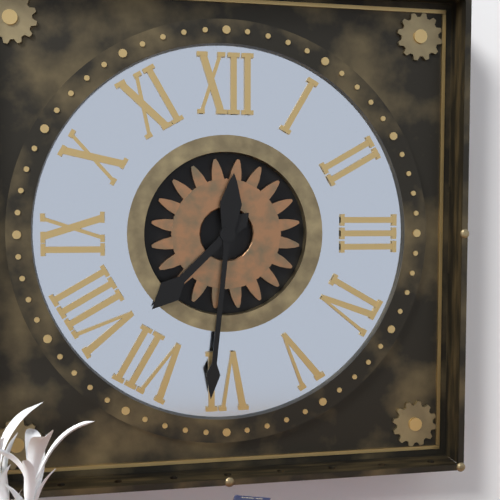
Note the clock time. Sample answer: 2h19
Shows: 7h31
